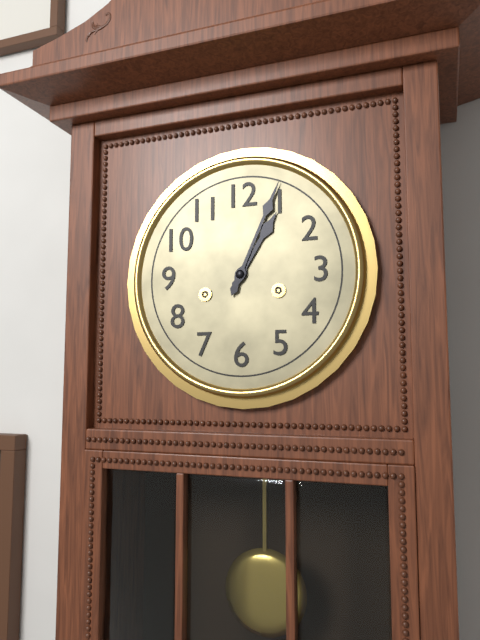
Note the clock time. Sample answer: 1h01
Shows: 1h04
